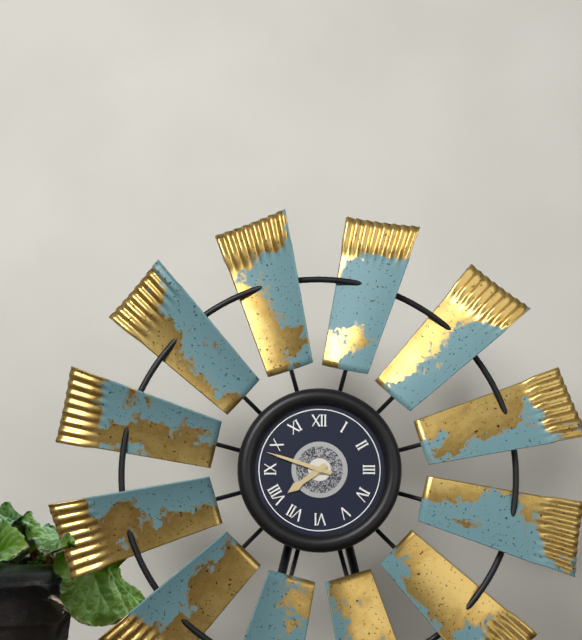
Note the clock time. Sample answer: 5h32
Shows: 7h48
